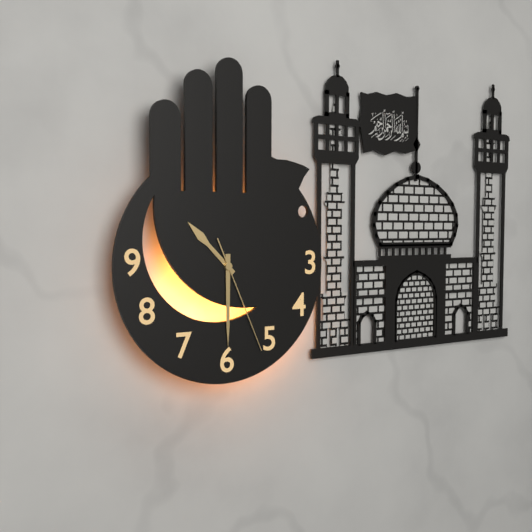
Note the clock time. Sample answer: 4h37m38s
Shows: 10h30m26s
